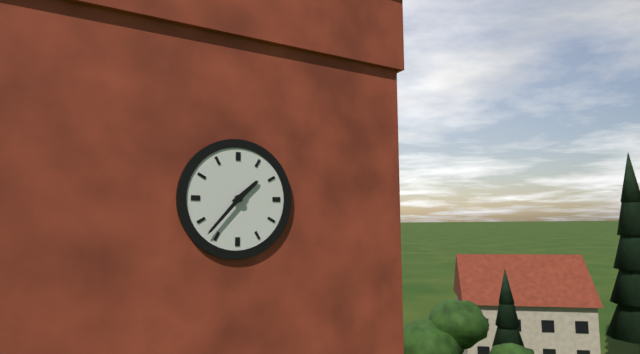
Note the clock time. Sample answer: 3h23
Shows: 1h37
